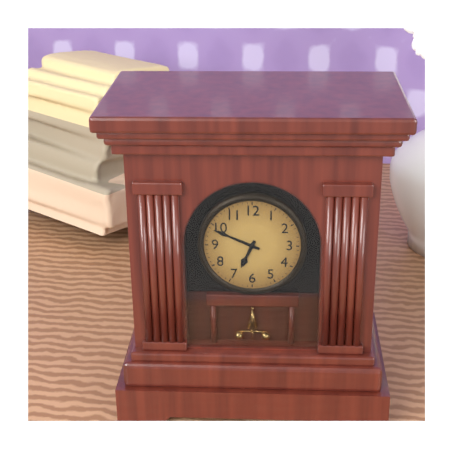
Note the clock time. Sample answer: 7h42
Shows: 6h49
